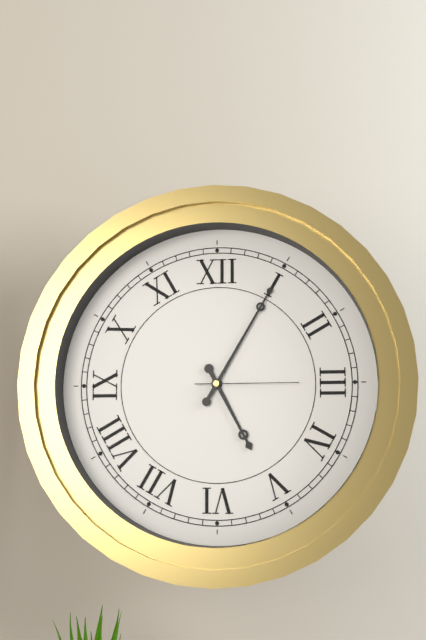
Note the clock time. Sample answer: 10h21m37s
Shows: 5h05m15s
